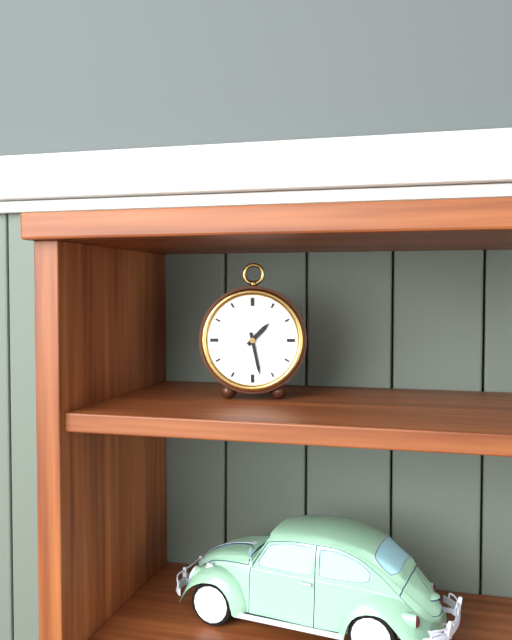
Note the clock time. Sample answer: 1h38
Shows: 1h28
